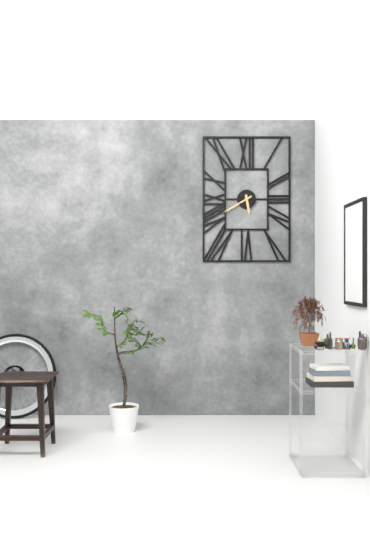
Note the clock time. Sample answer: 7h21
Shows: 5h40
